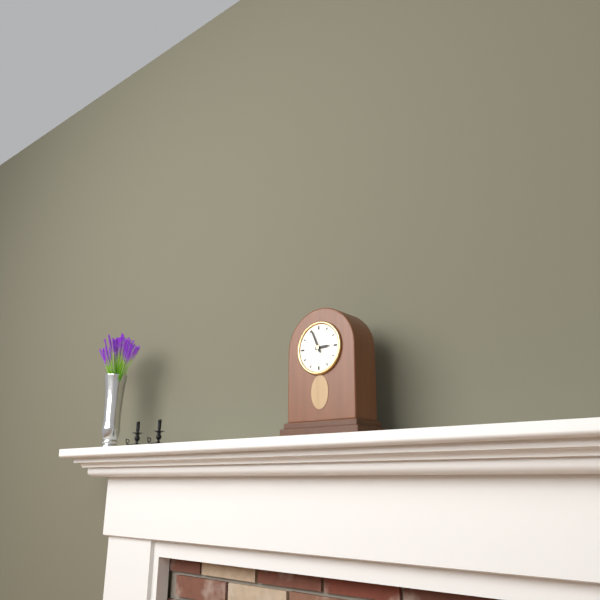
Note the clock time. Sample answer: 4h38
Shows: 2h56
